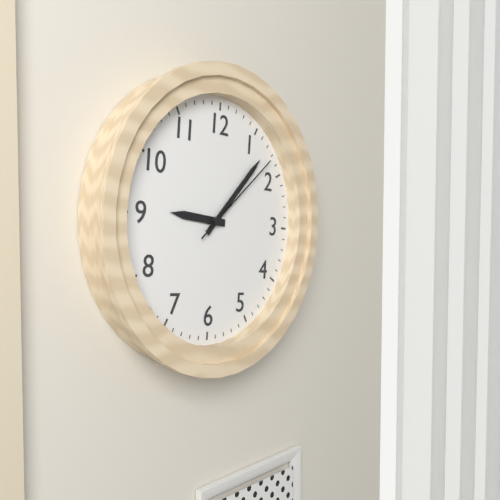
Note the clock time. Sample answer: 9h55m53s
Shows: 9h07m08s
